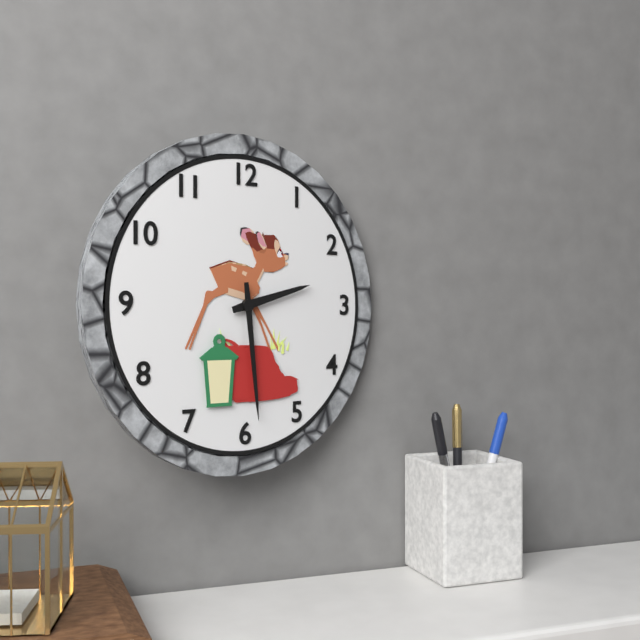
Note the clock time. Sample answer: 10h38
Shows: 2h29
